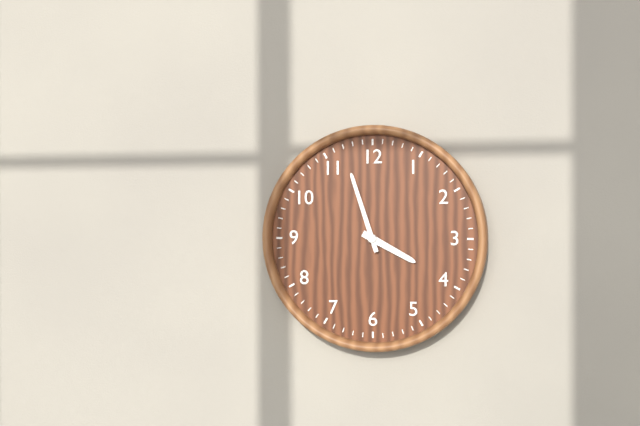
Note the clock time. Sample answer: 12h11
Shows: 3h57
